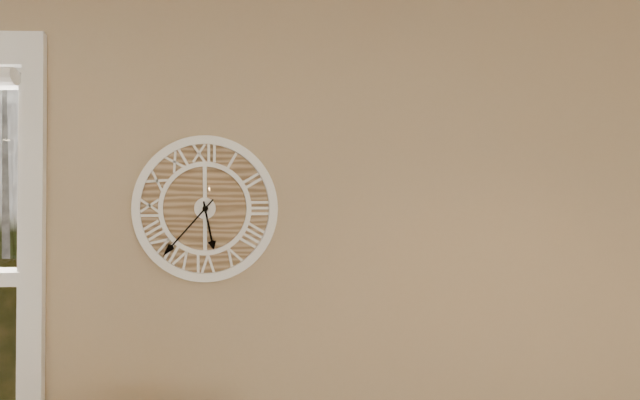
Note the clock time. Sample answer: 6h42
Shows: 5h37
